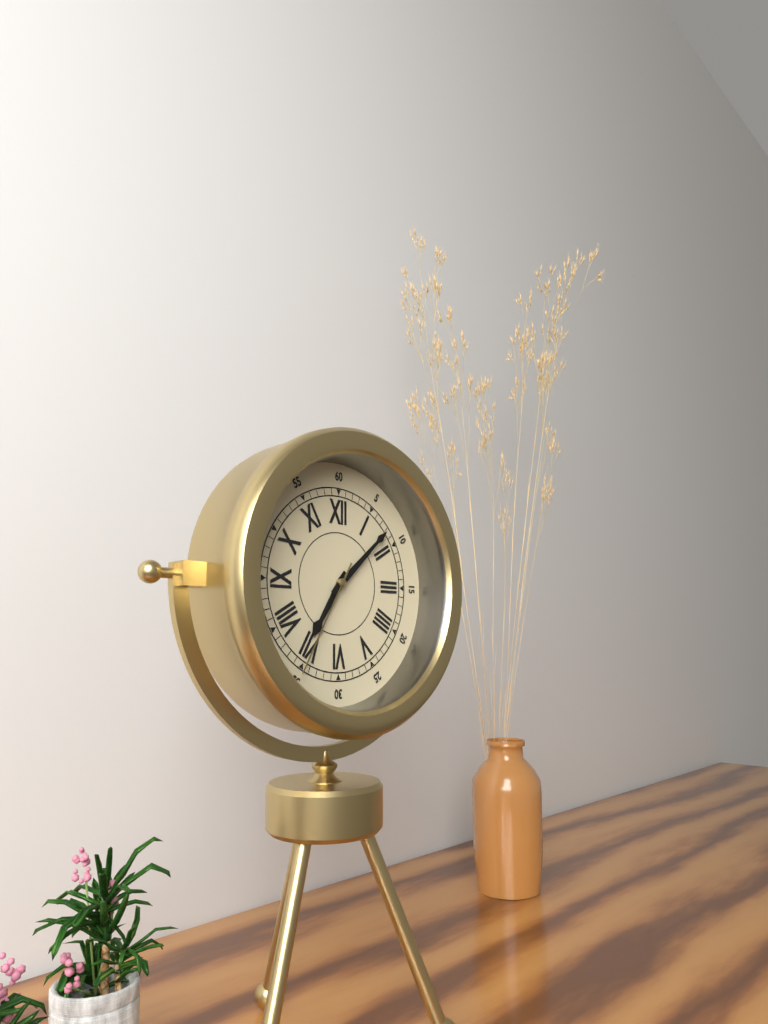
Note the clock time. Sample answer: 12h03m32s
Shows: 7h08m35s
